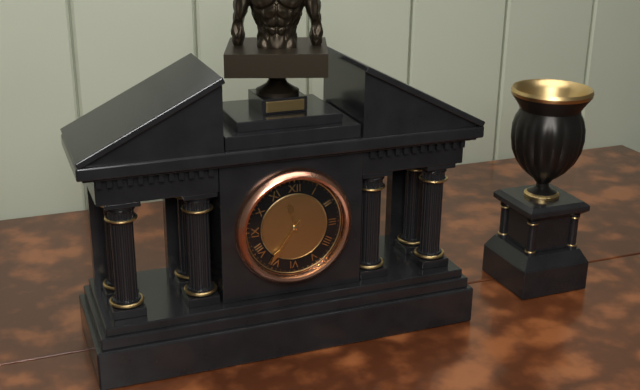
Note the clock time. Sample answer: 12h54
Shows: 11h36
